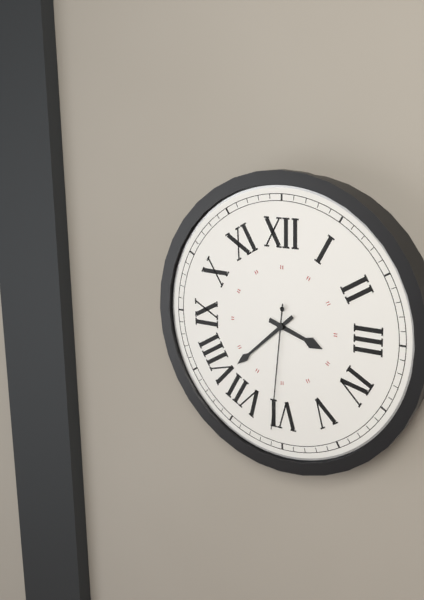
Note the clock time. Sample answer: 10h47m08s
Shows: 3h38m31s
